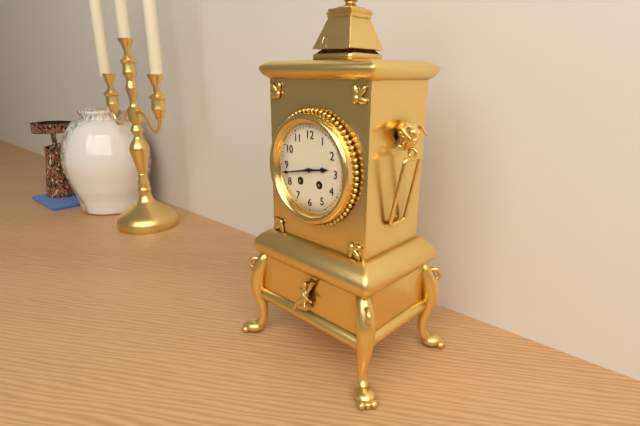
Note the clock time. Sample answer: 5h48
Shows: 2h43
